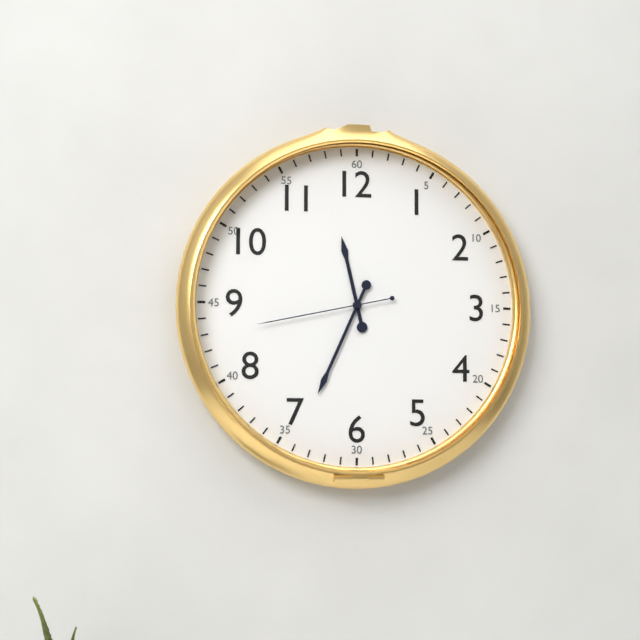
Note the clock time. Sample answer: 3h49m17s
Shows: 11h34m43s
